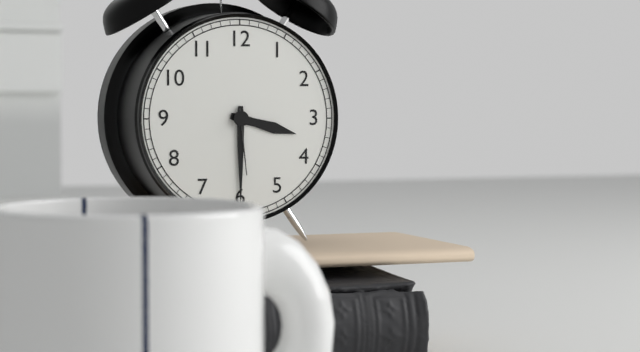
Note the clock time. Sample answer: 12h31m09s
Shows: 3h30m29s
